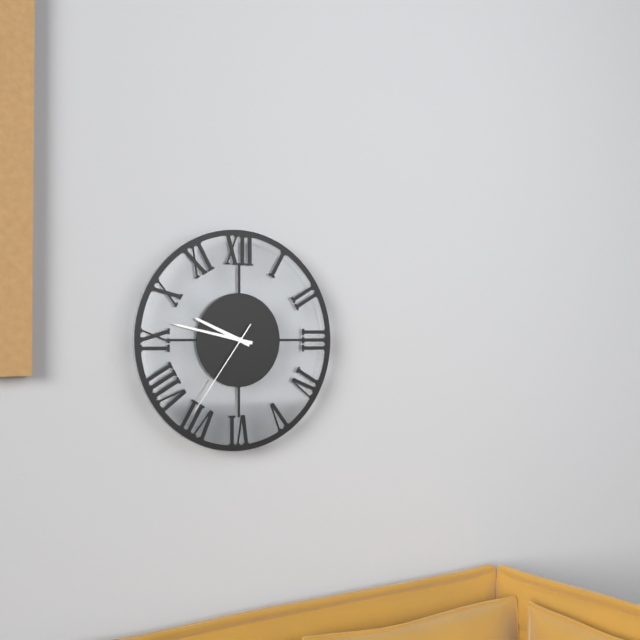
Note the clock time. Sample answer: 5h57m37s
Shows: 9h47m36s
